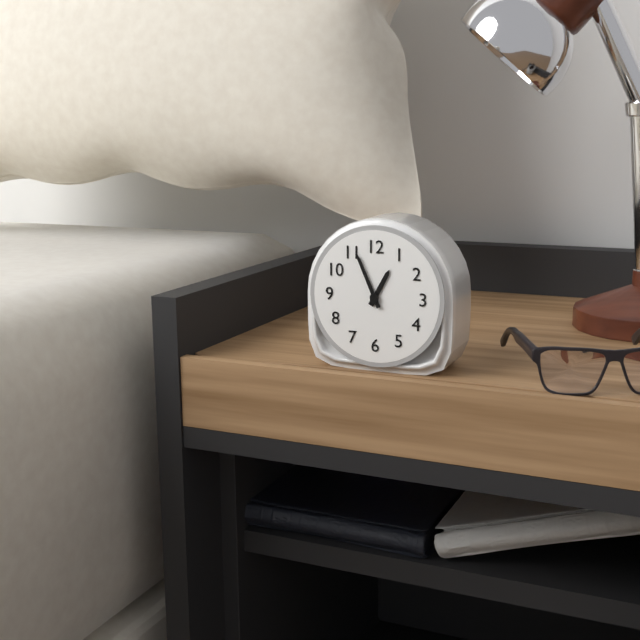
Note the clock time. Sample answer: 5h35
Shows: 12h56
